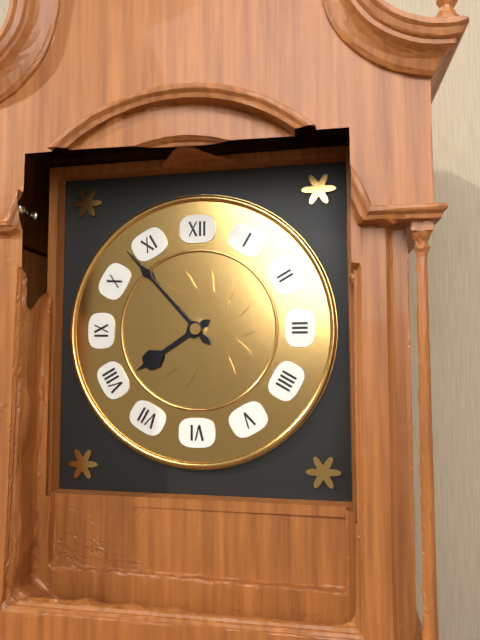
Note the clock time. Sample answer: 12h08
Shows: 7h53
